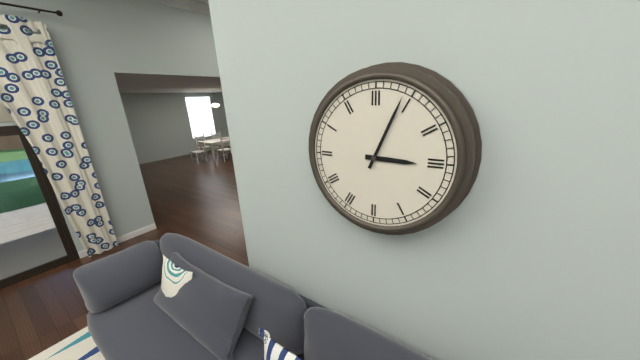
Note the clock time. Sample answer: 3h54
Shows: 3h04
